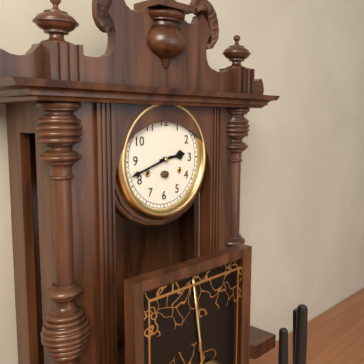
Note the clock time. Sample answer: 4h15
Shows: 2h42
